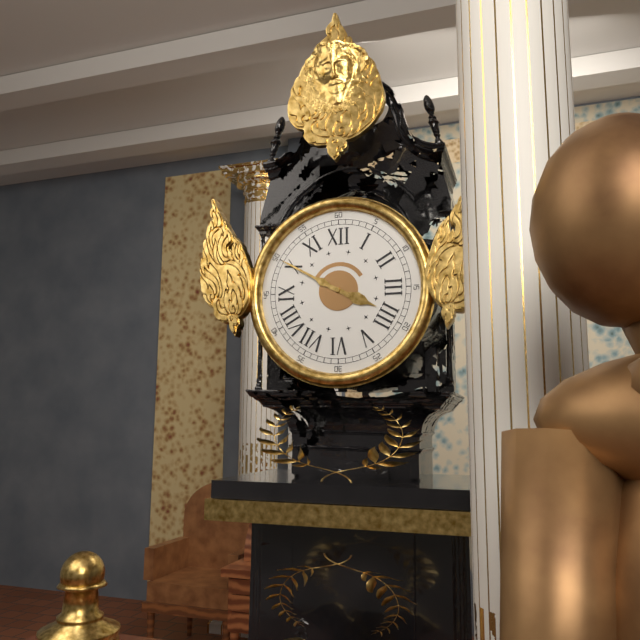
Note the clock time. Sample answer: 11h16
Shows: 3h50
